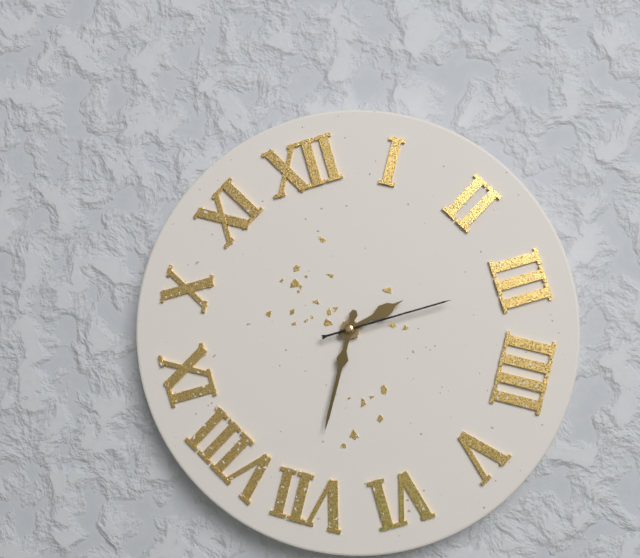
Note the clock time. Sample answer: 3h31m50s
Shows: 2h35m15s
